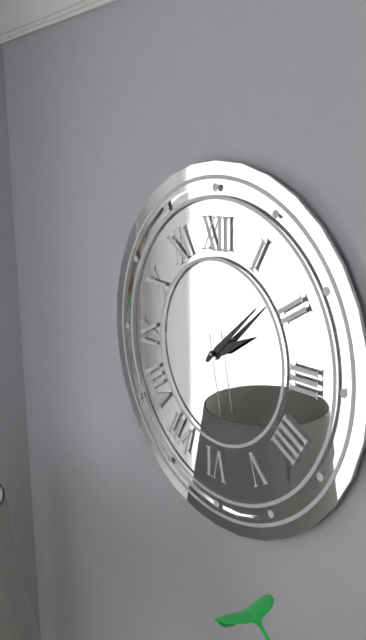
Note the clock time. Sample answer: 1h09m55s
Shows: 2h08m28s
